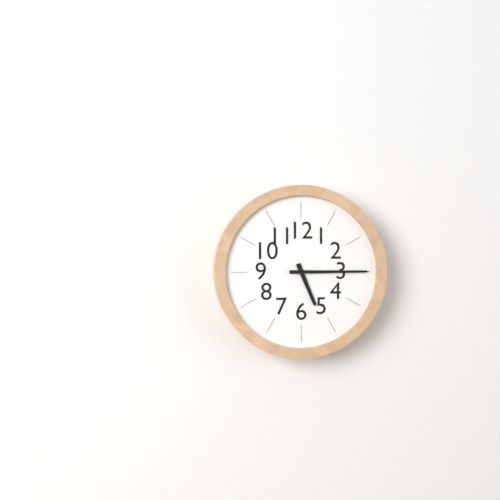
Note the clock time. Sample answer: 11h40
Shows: 5h15
